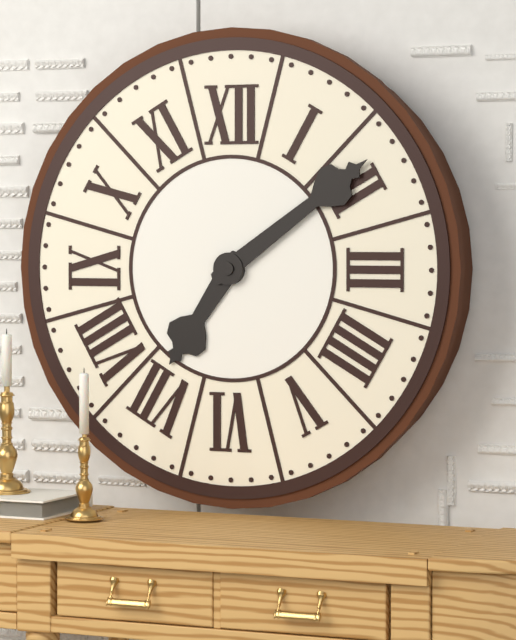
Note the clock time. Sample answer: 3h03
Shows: 7h09
